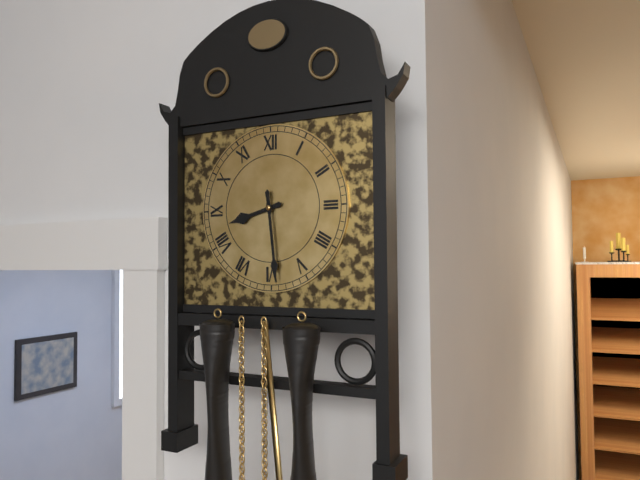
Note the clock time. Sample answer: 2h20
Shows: 8h29
